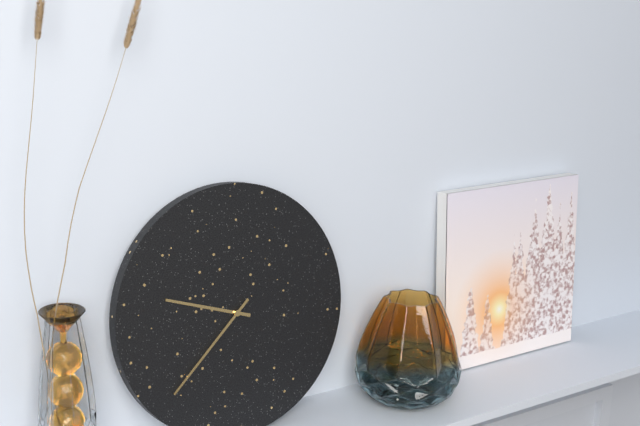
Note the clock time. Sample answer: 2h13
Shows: 9h38
